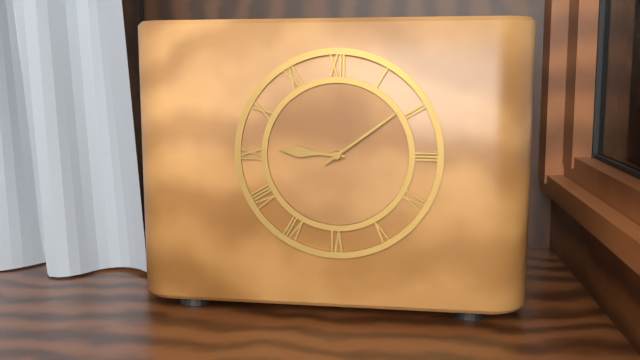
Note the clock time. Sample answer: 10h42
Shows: 9h09
